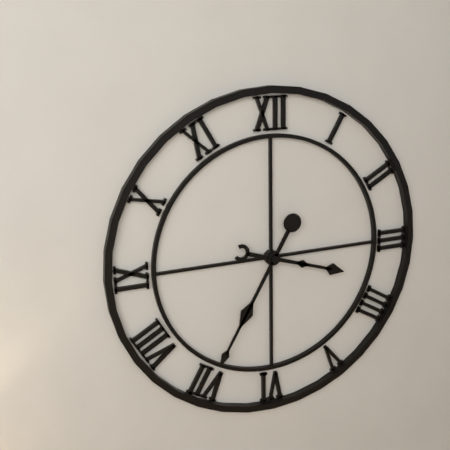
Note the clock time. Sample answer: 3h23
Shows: 3h35
